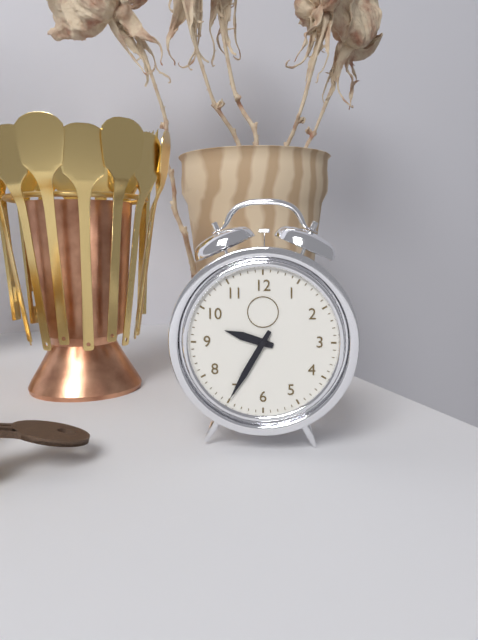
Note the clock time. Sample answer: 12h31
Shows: 9h35
